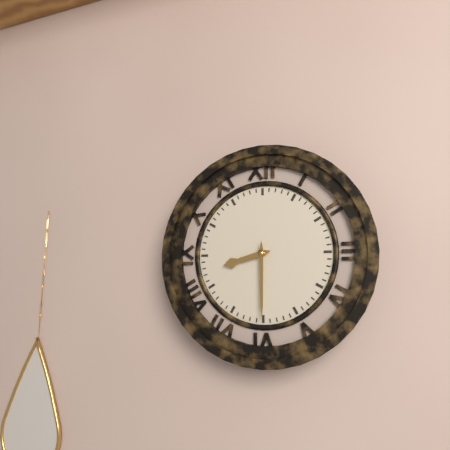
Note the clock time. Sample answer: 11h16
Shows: 8h30
